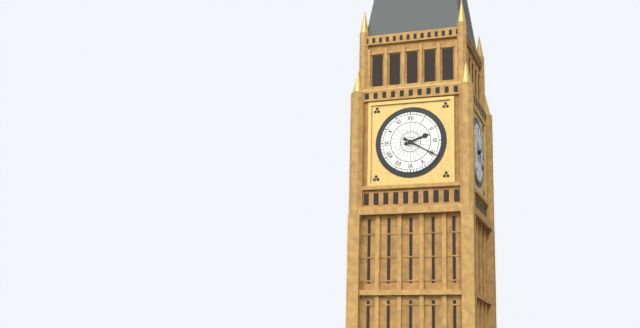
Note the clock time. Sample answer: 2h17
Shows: 2h20
